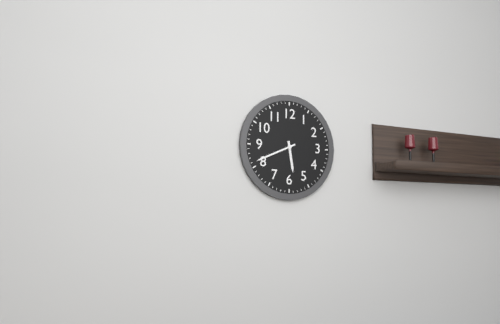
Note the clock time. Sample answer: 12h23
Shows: 5h41
